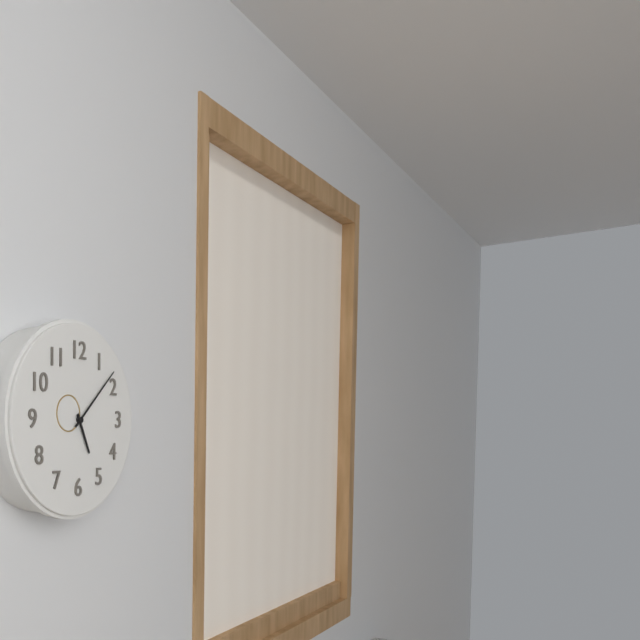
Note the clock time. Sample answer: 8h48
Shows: 5h08
